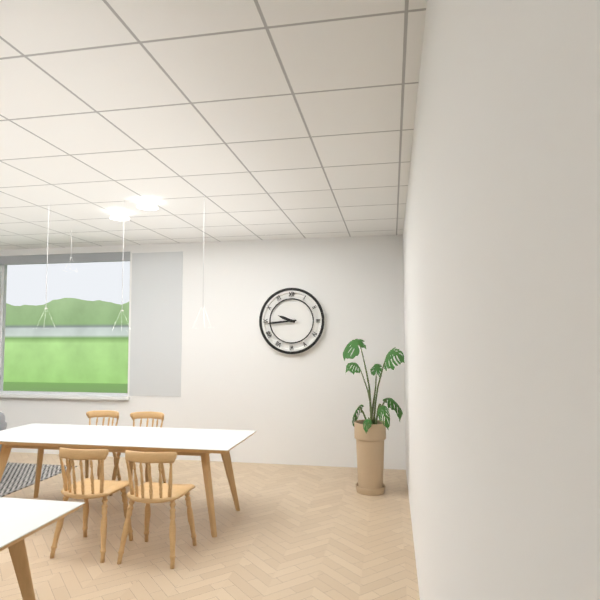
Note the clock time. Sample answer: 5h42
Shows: 9h44
